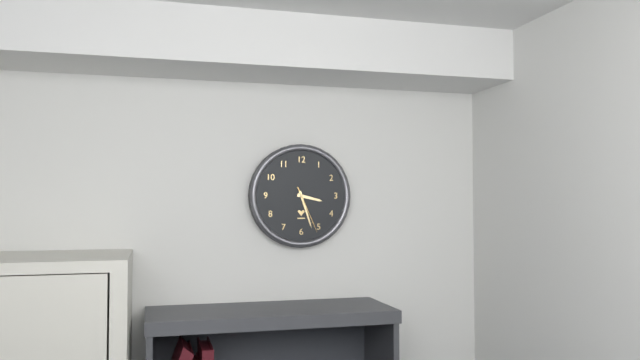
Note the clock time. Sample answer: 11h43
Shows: 3h27
